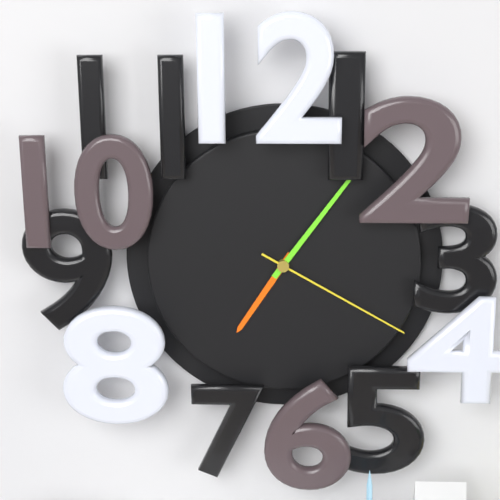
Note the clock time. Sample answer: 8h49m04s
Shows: 7h06m20s
